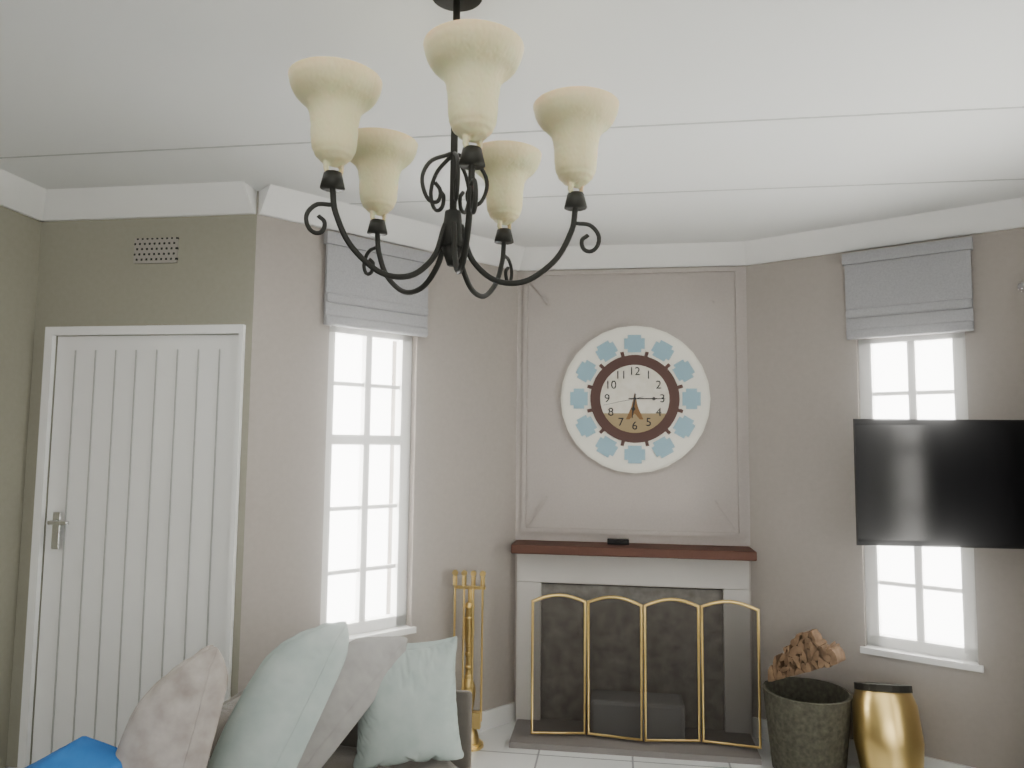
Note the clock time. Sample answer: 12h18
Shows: 6h15
